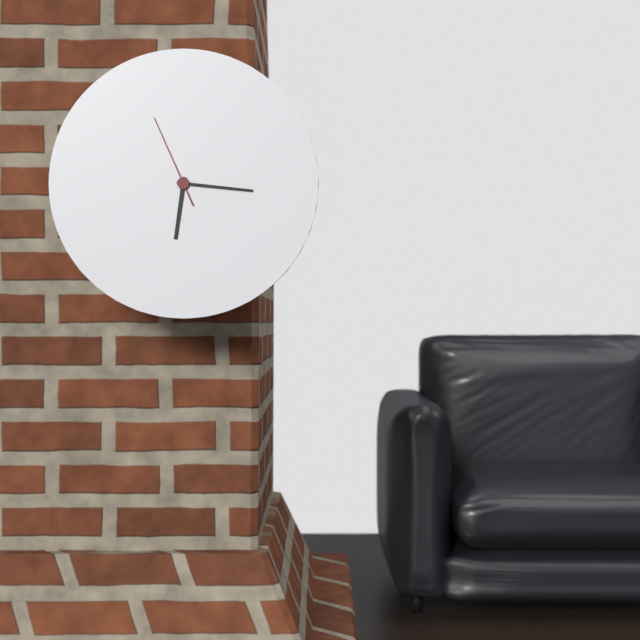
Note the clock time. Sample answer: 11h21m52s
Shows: 6h16m56s
